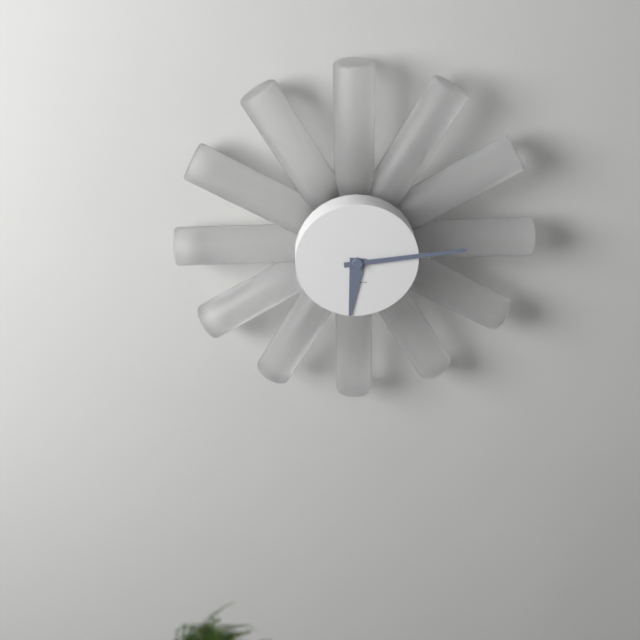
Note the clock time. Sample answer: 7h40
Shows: 6h14
